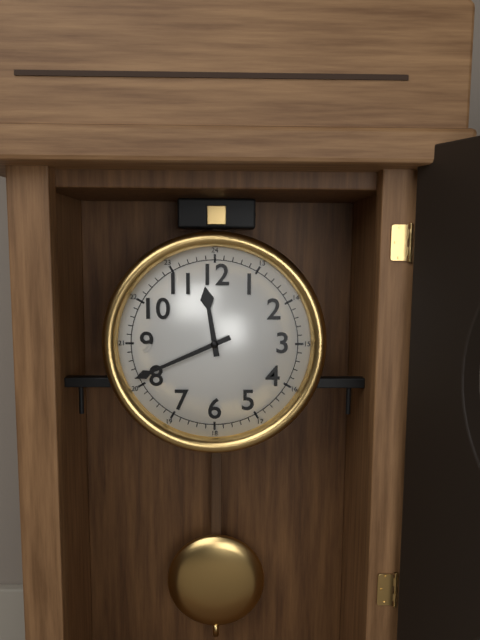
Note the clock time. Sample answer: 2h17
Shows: 11h41
